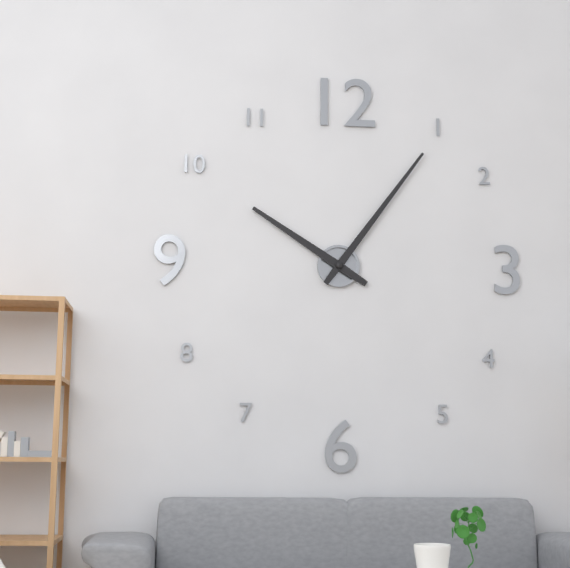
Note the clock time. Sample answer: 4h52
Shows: 10h06
